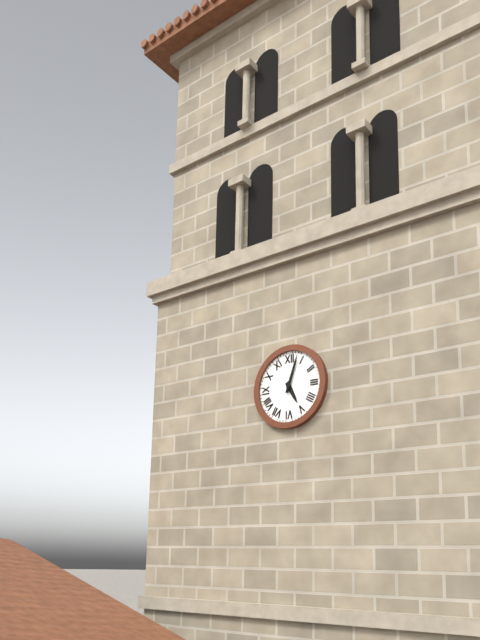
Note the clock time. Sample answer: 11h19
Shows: 5h03
